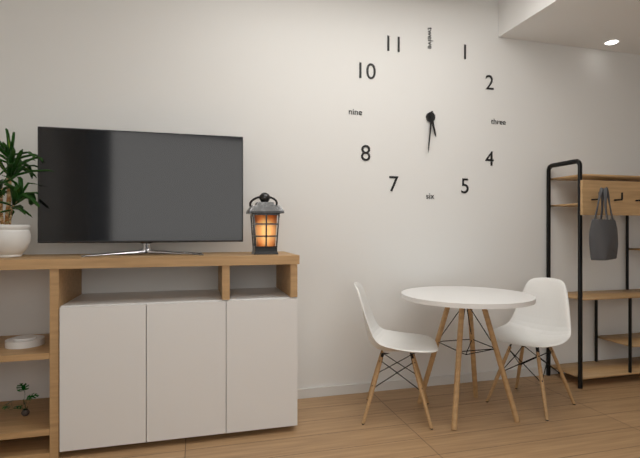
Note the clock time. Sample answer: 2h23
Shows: 5h31
